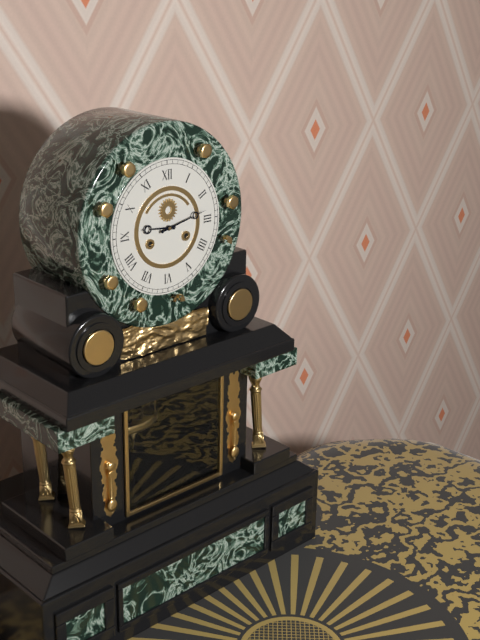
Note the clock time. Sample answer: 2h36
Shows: 9h13
